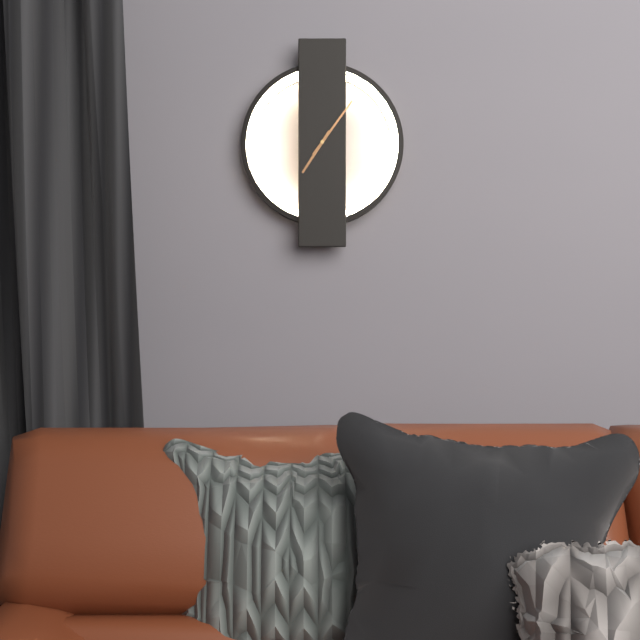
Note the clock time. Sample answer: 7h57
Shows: 7h06
